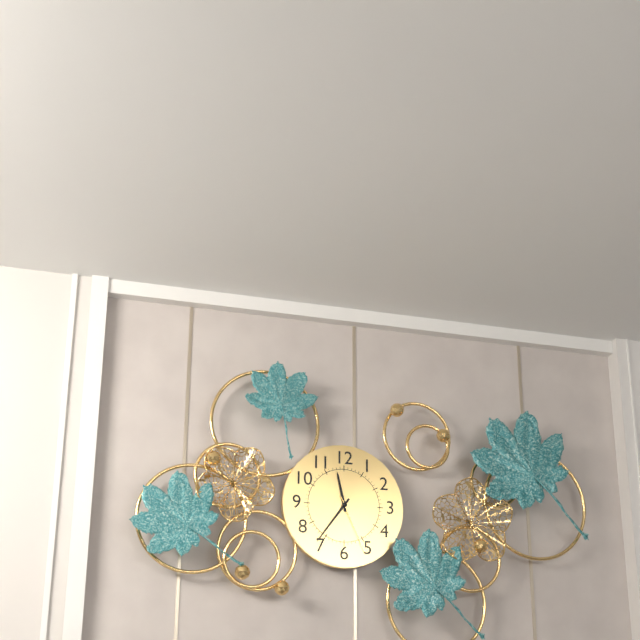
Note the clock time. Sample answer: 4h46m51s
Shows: 11h36m26s
